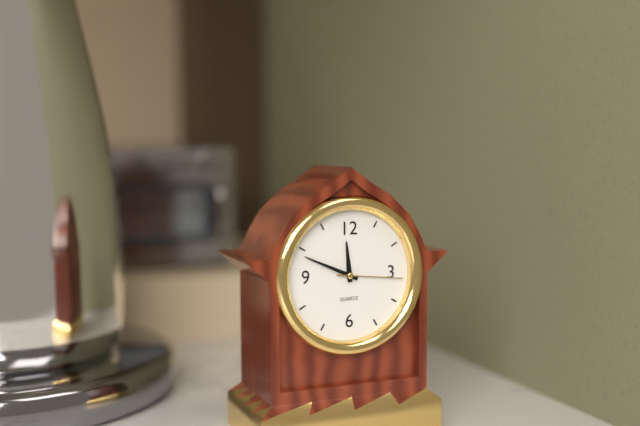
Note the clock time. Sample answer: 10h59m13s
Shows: 11h49m16s
